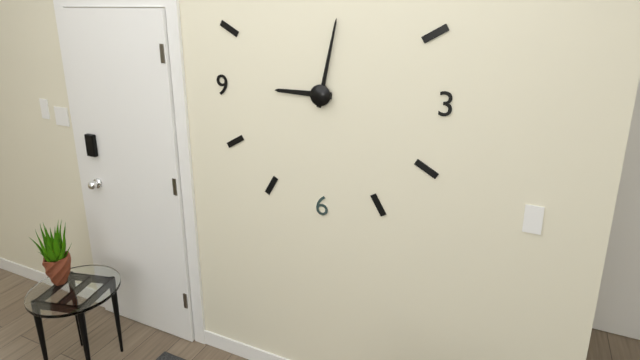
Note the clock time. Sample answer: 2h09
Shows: 9h02
